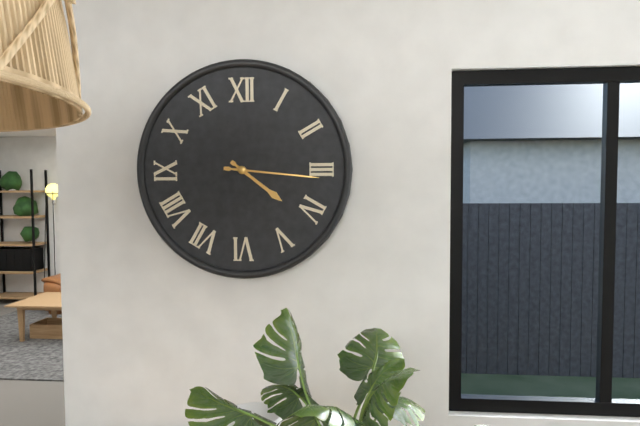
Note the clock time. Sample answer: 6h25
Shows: 4h16
